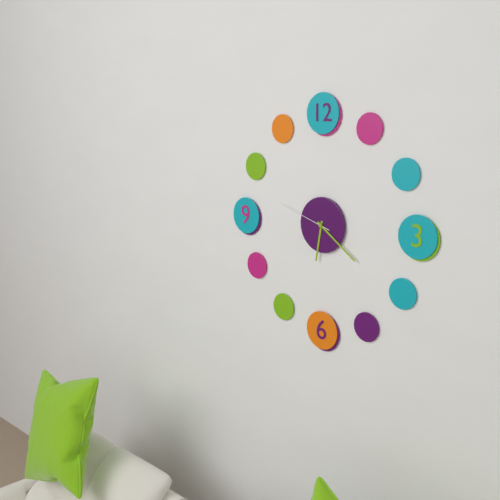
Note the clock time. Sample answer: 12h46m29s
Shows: 6h21m48s
